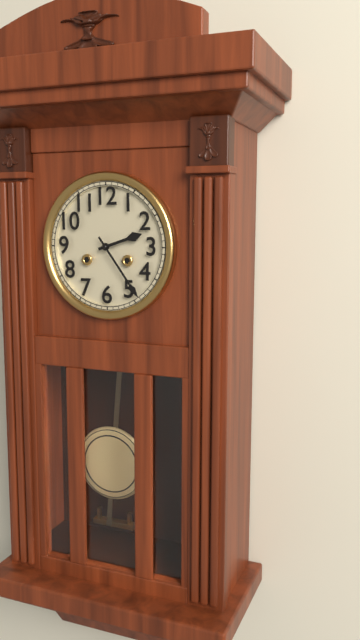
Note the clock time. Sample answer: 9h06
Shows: 2h24
